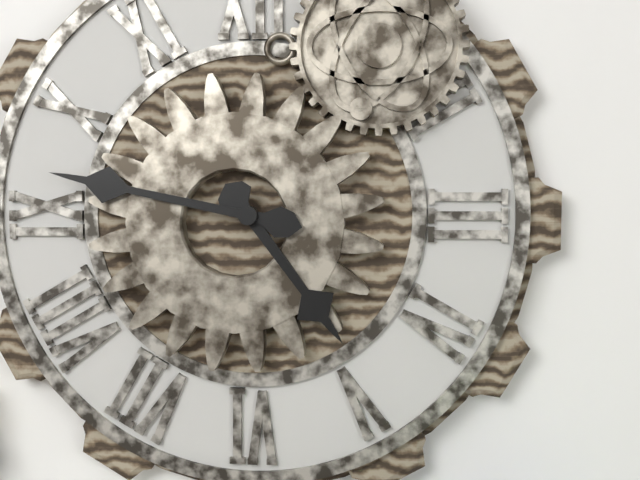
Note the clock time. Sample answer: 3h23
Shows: 4h47
